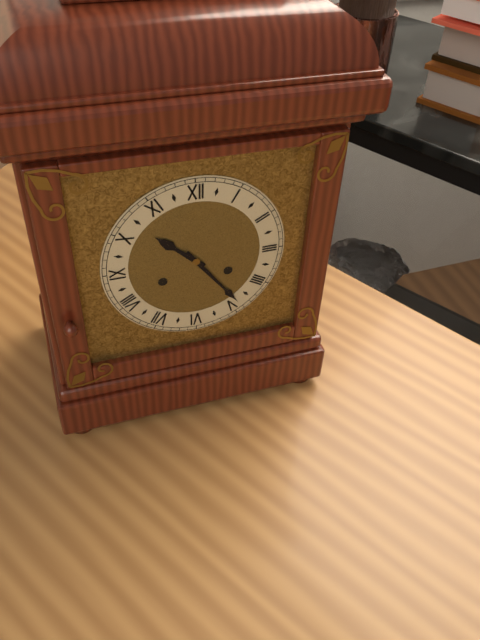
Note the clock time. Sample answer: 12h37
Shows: 10h24
